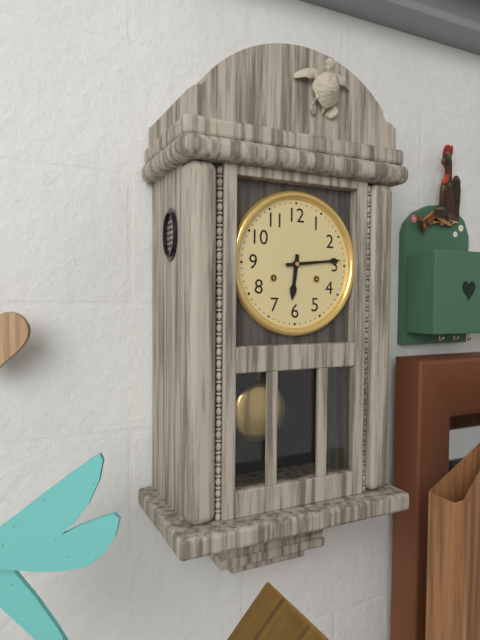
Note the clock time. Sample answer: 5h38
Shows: 6h14
